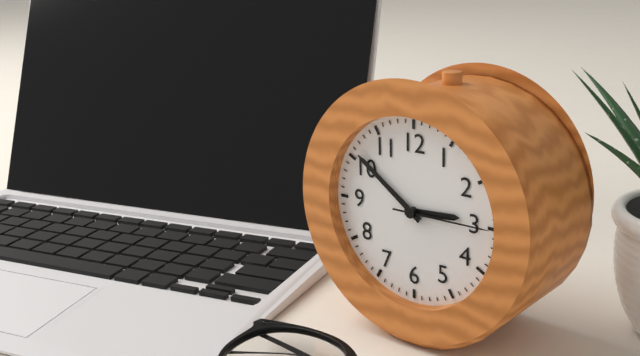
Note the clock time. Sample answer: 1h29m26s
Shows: 2h51m15s
